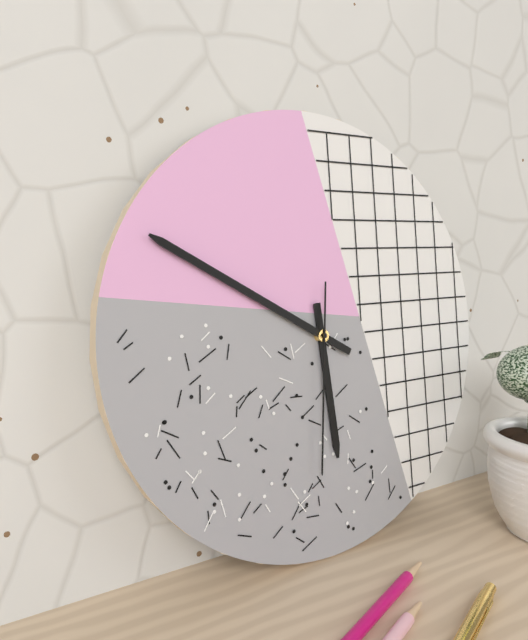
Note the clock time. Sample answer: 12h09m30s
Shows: 5h50m31s
